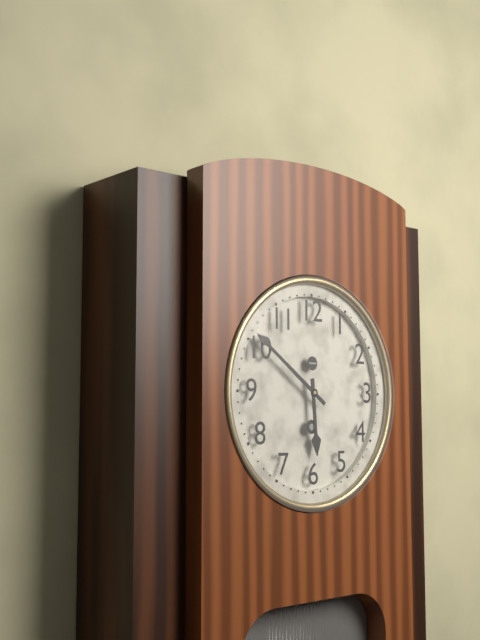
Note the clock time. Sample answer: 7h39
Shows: 5h51
